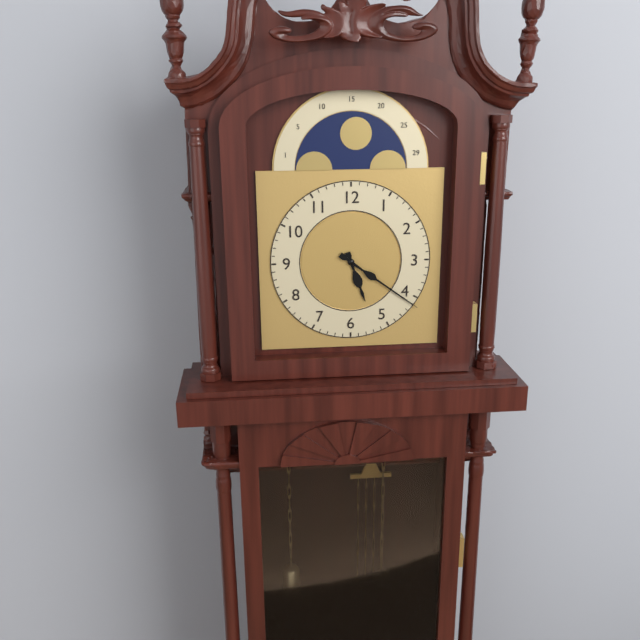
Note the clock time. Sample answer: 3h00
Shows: 5h21
